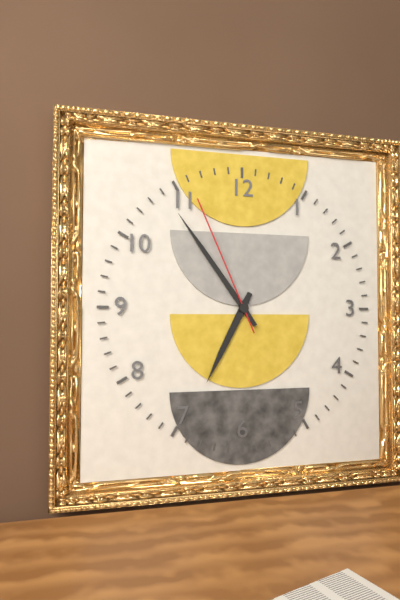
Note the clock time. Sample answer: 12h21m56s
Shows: 6h54m56s
